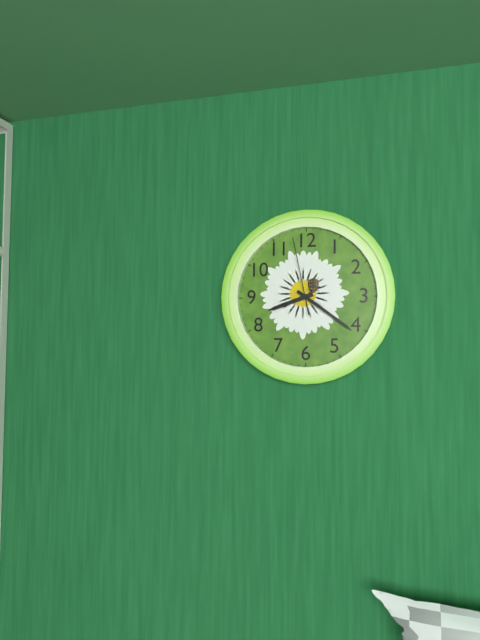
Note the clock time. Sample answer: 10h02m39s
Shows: 8h21m58s
